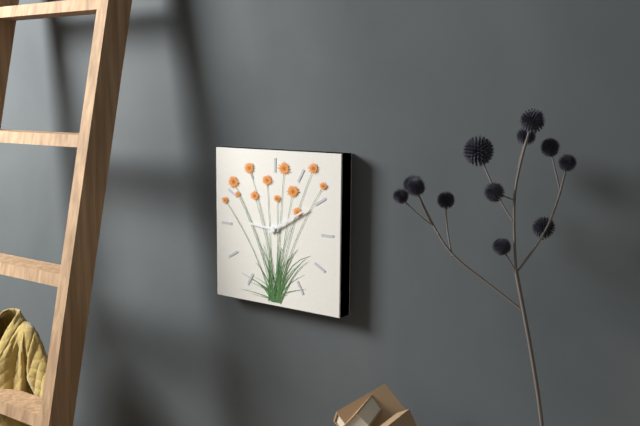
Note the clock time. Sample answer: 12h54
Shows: 9h10
